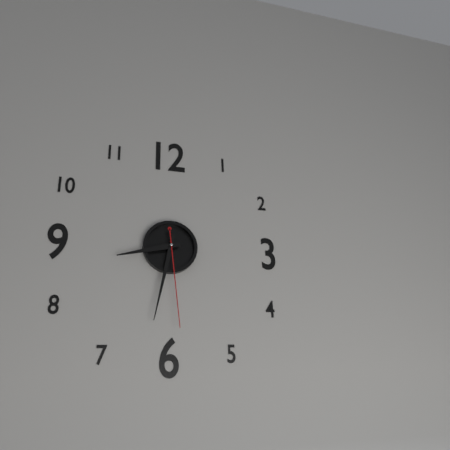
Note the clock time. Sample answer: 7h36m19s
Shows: 8h32m29s
